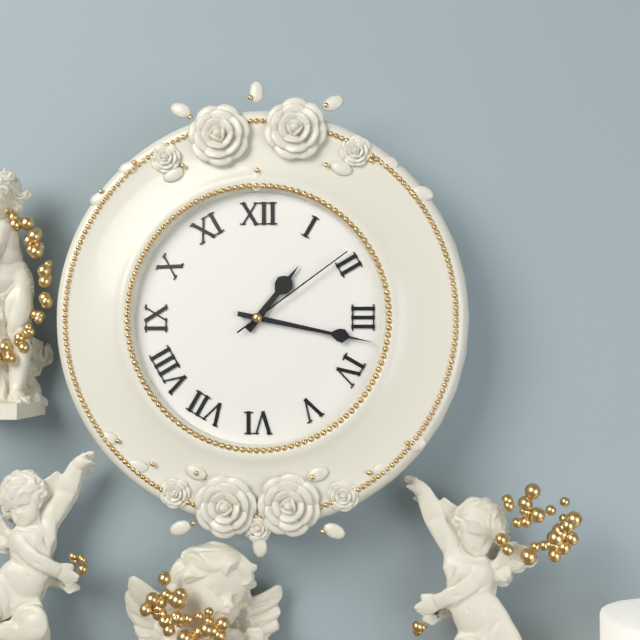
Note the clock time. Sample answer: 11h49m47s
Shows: 1h17m09s
